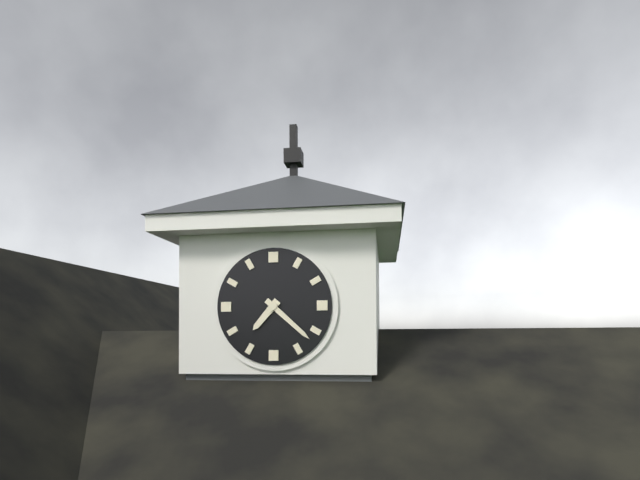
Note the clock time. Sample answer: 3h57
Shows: 7h22
